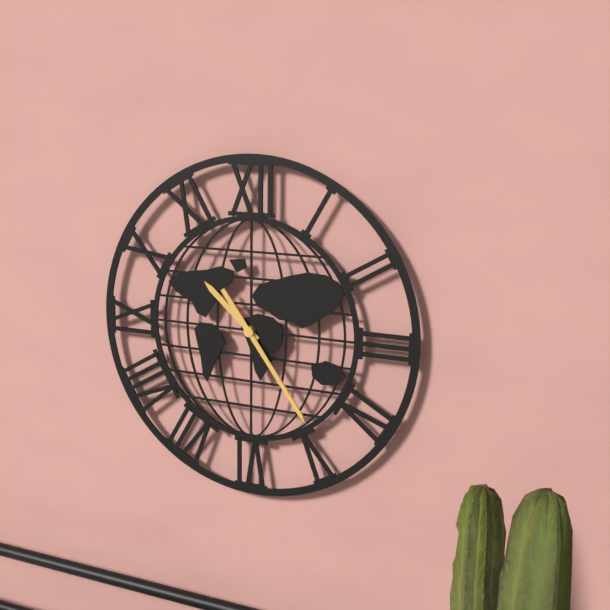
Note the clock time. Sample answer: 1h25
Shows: 10h24
